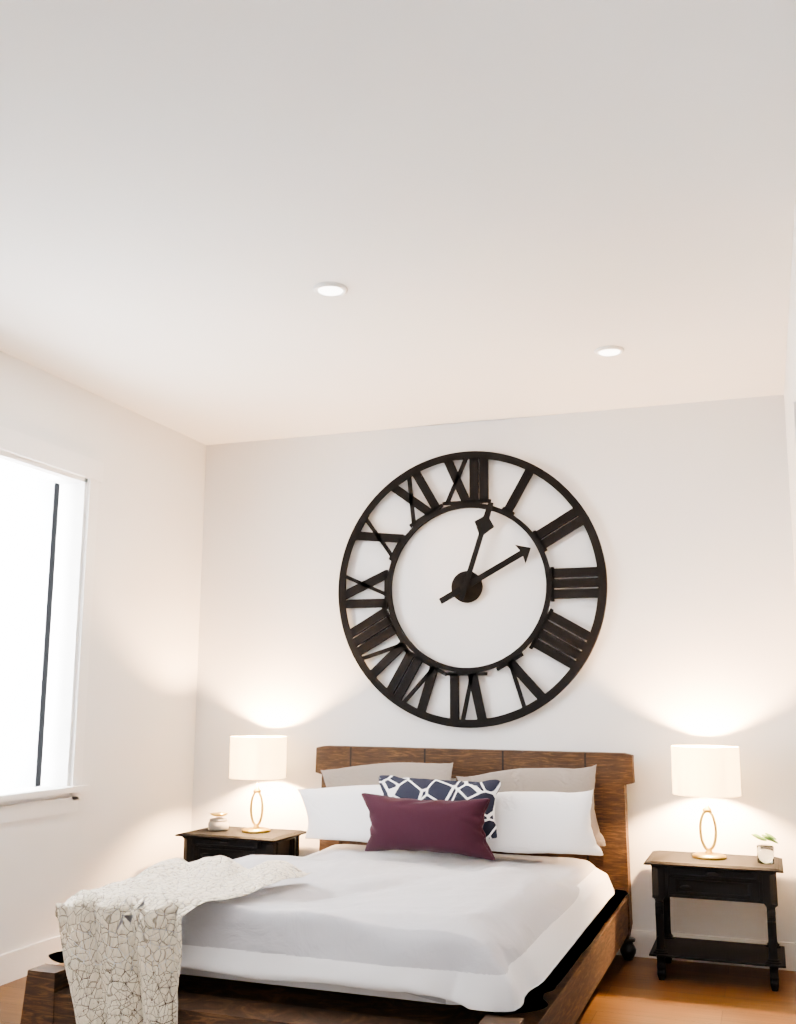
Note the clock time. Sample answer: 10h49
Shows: 2h03
